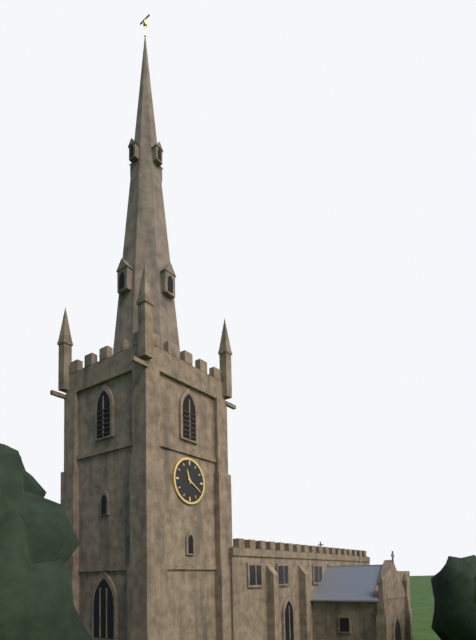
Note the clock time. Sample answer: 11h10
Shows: 11h20
